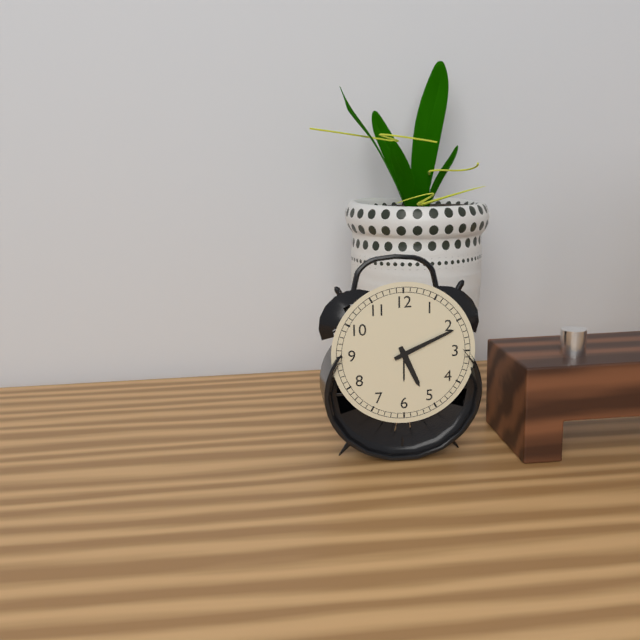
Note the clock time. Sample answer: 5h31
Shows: 5h11
